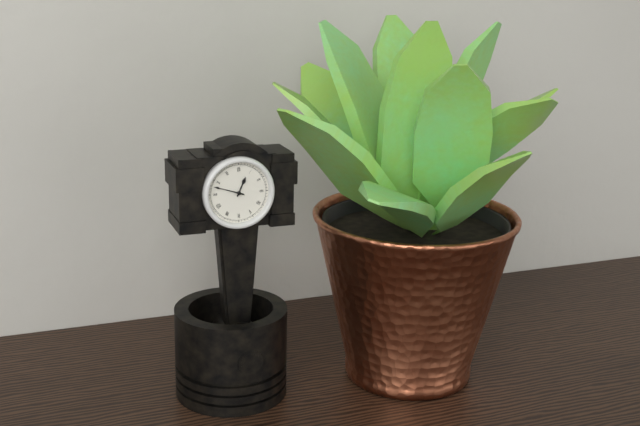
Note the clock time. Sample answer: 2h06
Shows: 12h48
